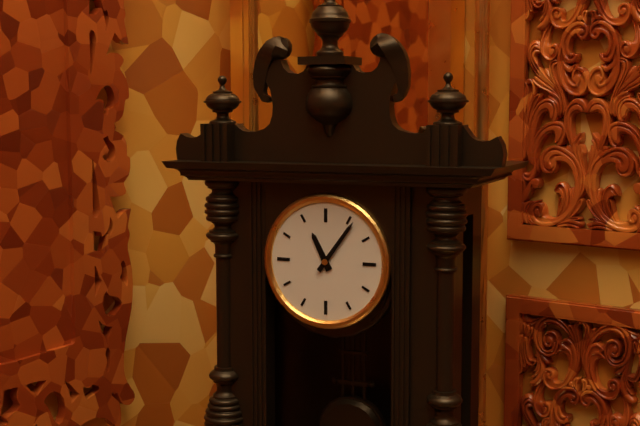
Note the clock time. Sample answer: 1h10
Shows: 11h06
